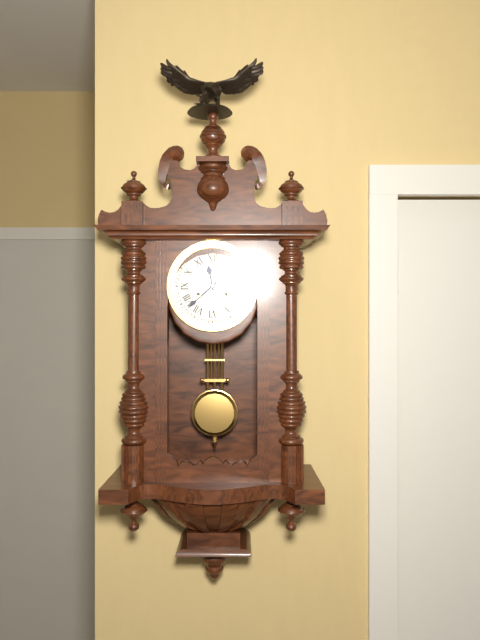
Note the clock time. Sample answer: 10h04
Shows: 11h38
